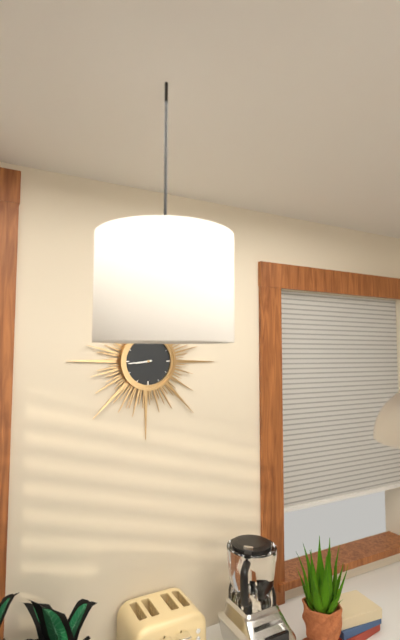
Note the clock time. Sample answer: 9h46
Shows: 8h44
